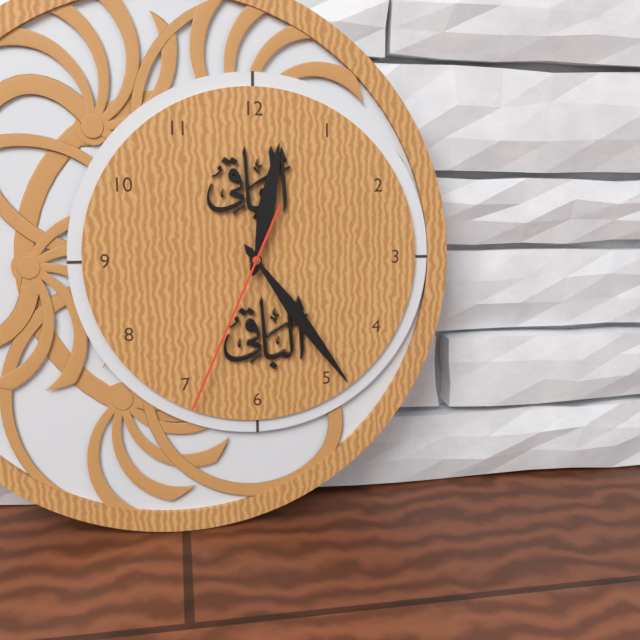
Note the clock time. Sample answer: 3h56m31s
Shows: 12h24m34s
